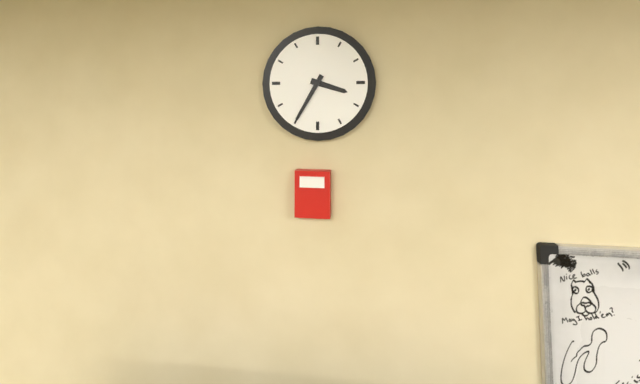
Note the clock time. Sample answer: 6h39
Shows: 3h35
